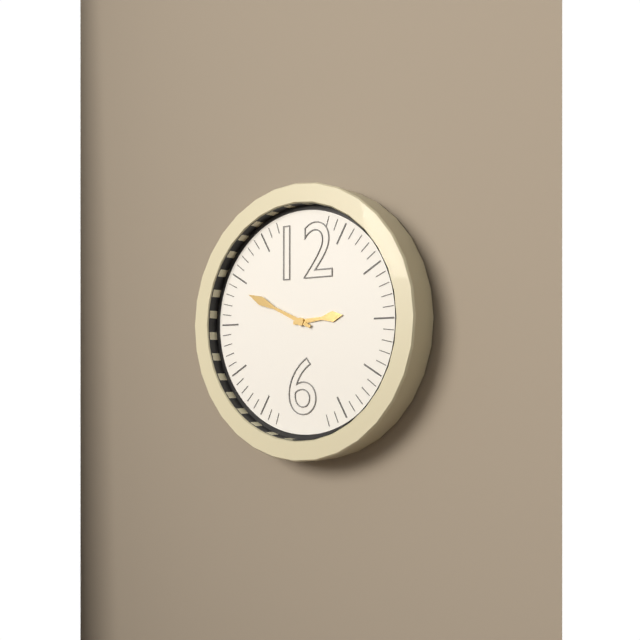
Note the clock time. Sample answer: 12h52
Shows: 2h49
